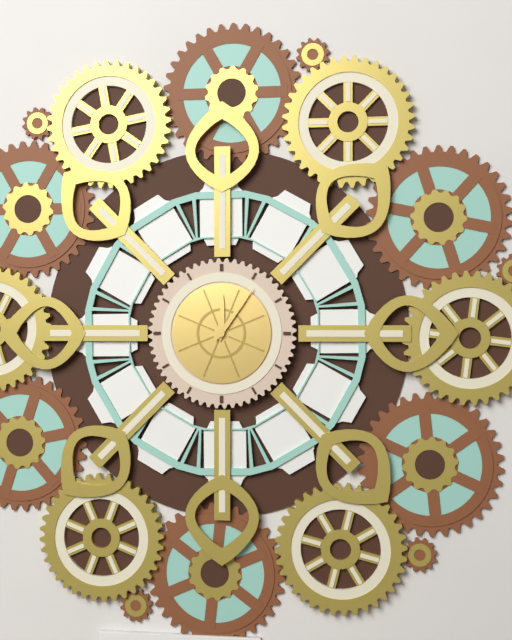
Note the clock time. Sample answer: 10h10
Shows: 12h06
